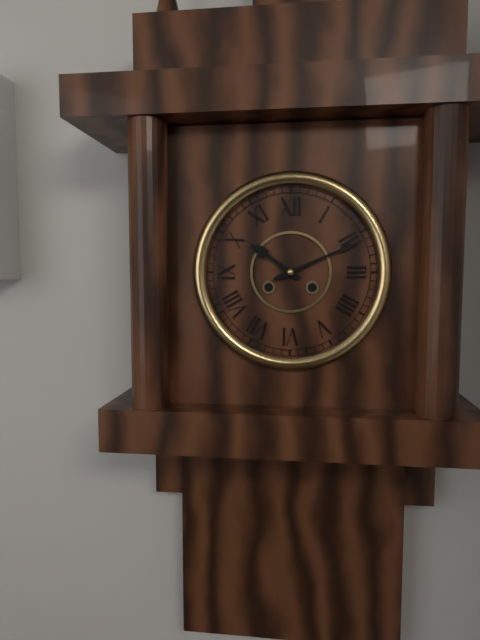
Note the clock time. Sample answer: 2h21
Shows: 10h11
